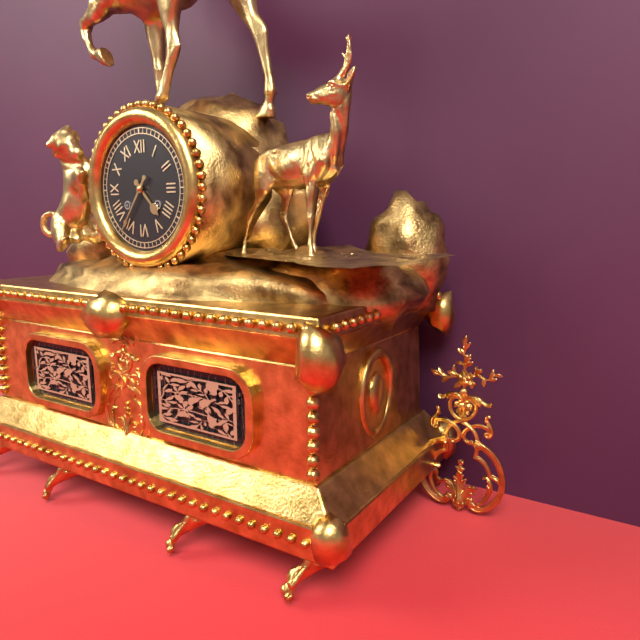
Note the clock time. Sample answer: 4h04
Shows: 4h36
